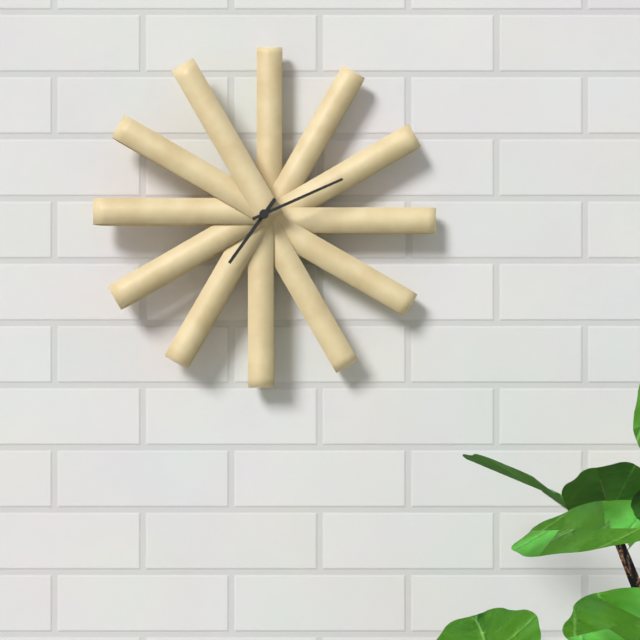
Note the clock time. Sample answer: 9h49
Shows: 7h11
